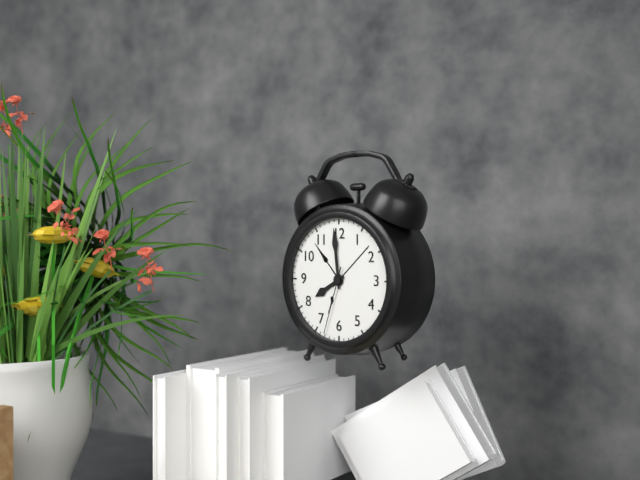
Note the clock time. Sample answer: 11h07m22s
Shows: 7h59m33s
